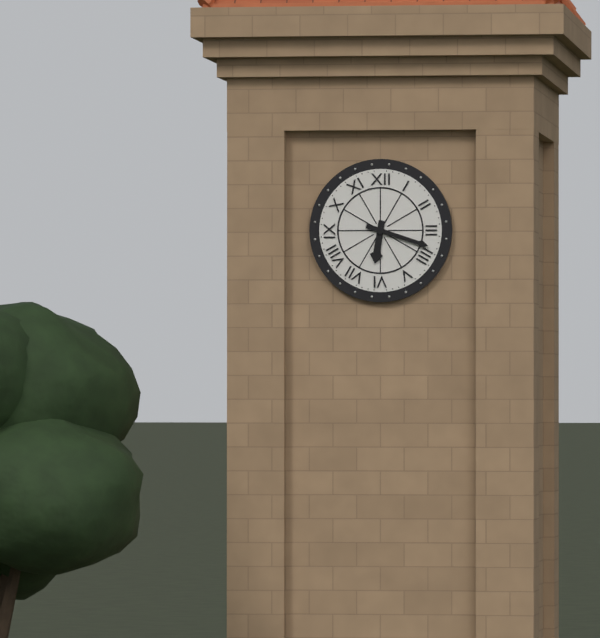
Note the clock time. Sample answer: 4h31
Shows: 6h18
